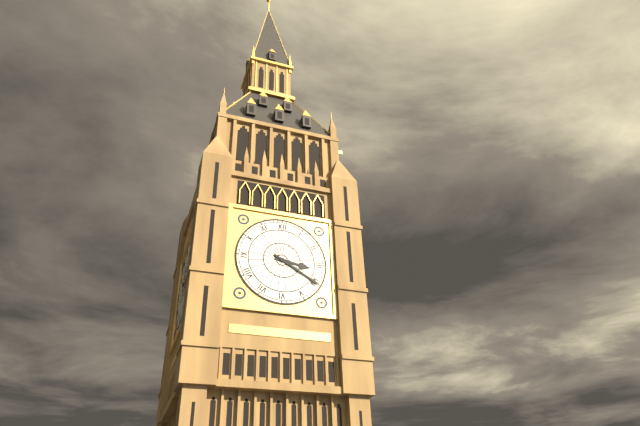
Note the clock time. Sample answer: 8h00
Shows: 3h20
